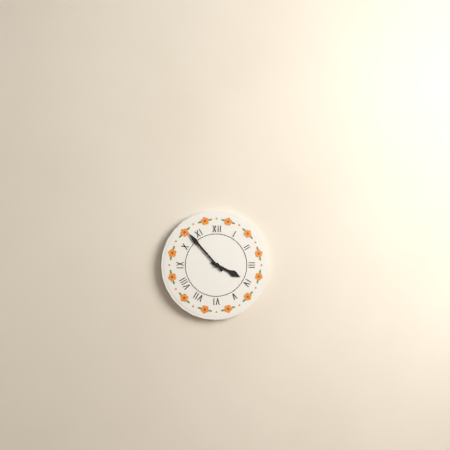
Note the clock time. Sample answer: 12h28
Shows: 3h53
